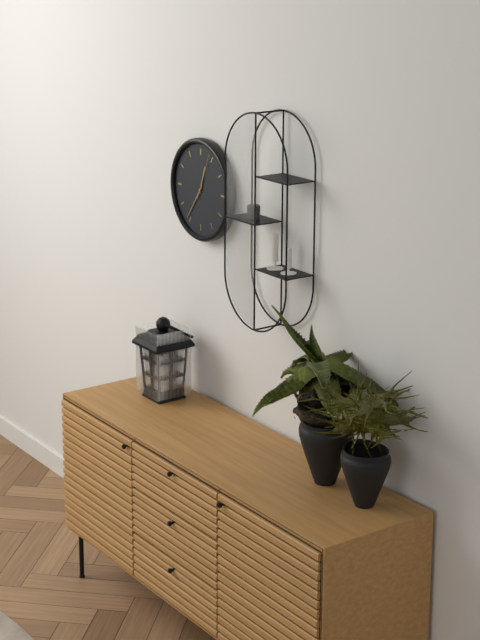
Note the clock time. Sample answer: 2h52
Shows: 12h36
